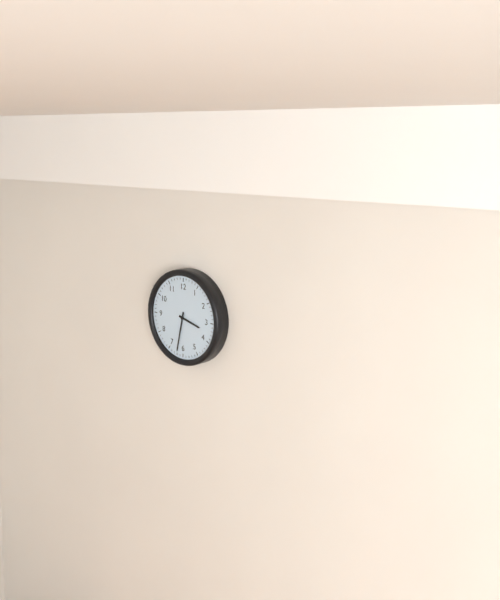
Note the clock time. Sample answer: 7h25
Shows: 3h32
